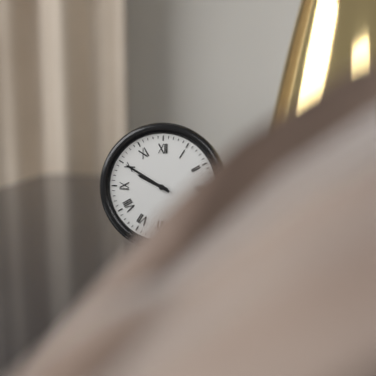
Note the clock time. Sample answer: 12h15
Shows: 9h50
